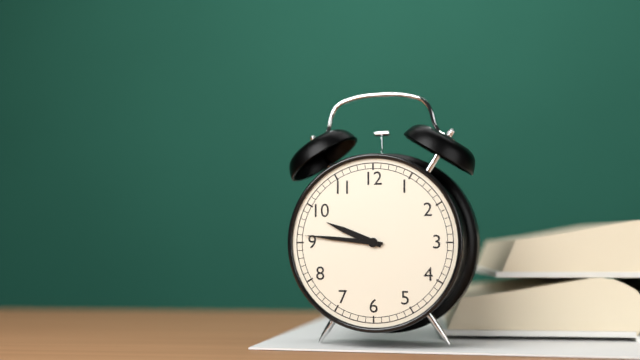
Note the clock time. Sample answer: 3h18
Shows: 9h46
